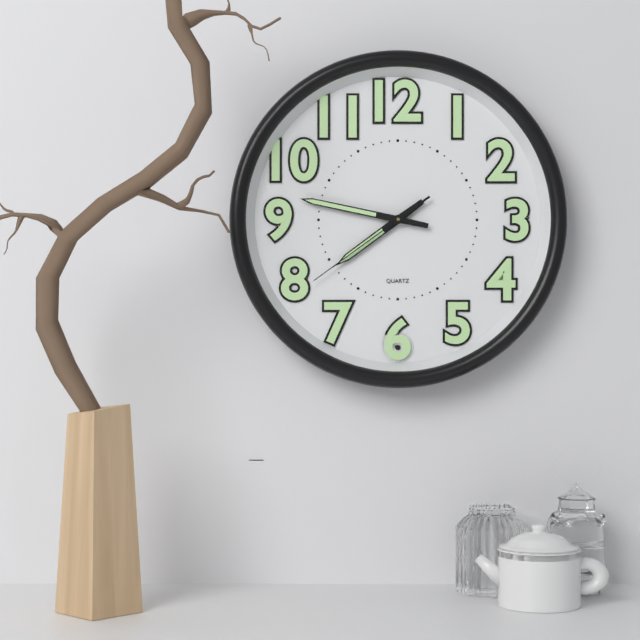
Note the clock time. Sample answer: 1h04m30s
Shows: 7h47m39s
